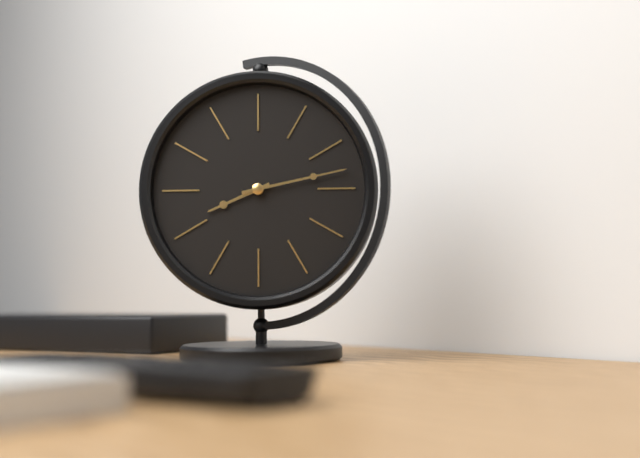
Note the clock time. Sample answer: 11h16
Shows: 8h13
